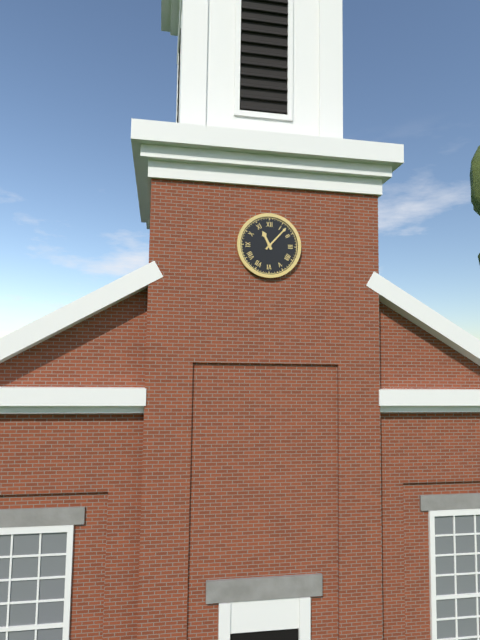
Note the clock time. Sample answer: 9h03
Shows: 11h07
